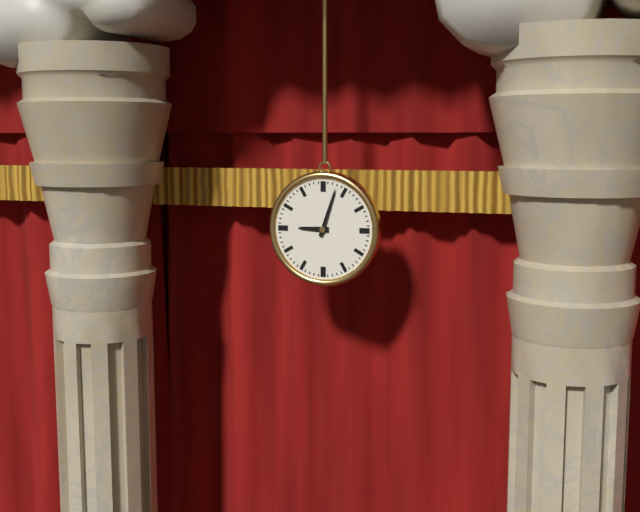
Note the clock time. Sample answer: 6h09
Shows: 9h03
